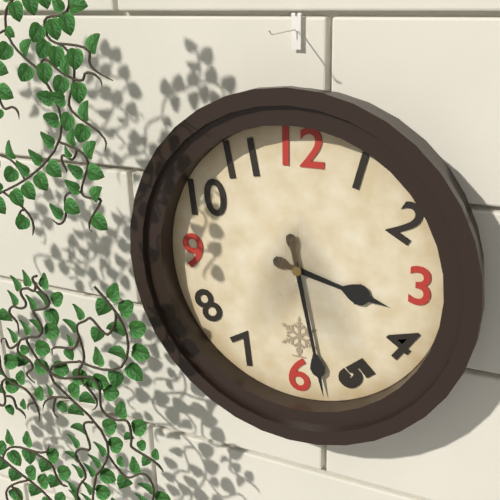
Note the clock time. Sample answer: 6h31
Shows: 3h28
